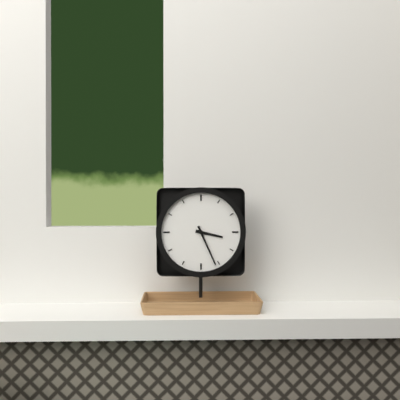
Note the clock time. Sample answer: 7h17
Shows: 3h26
